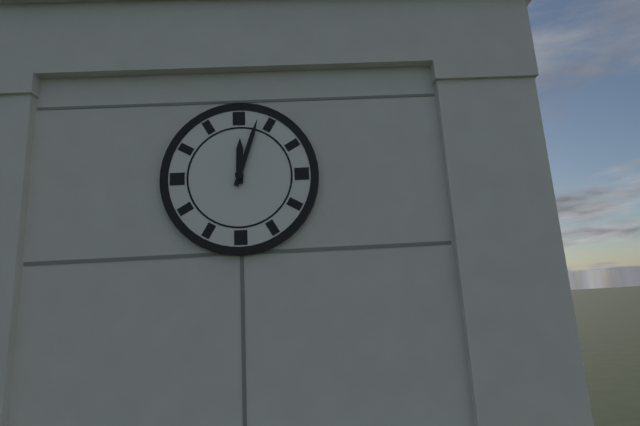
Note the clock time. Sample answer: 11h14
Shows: 12h03
